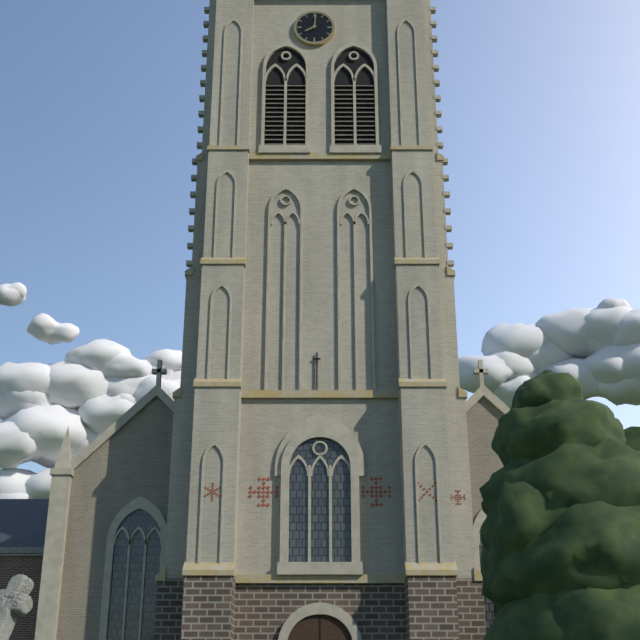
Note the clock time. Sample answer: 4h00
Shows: 8h01
